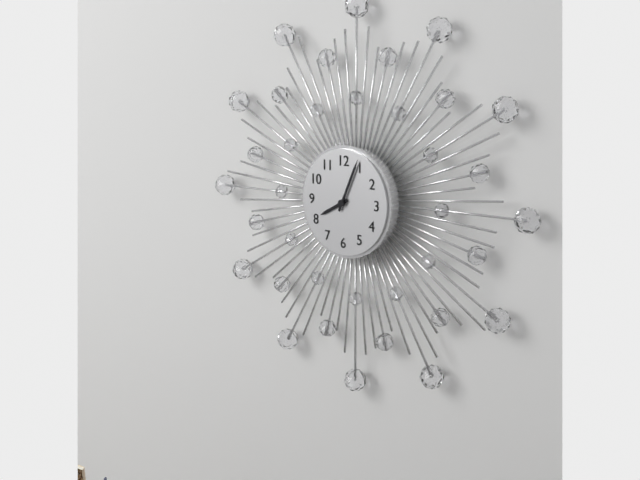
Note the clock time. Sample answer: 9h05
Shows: 8h04
